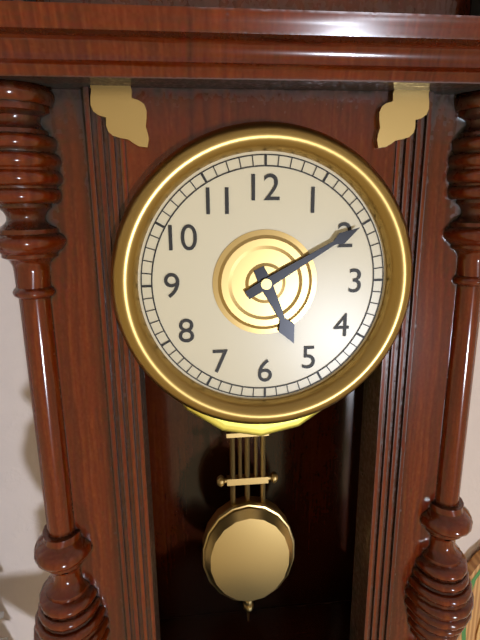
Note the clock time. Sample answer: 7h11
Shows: 5h10
